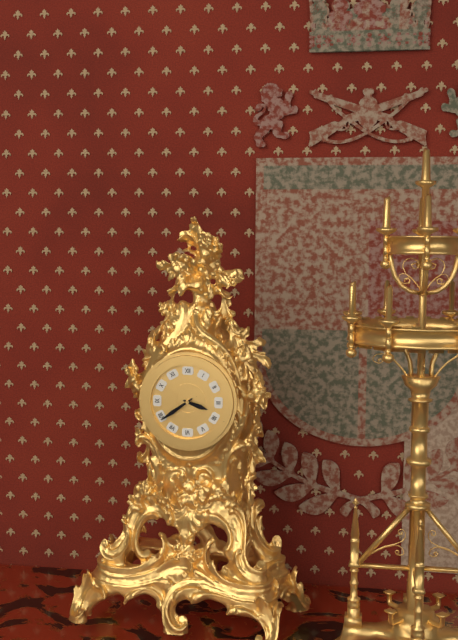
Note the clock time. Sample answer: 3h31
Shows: 3h39
